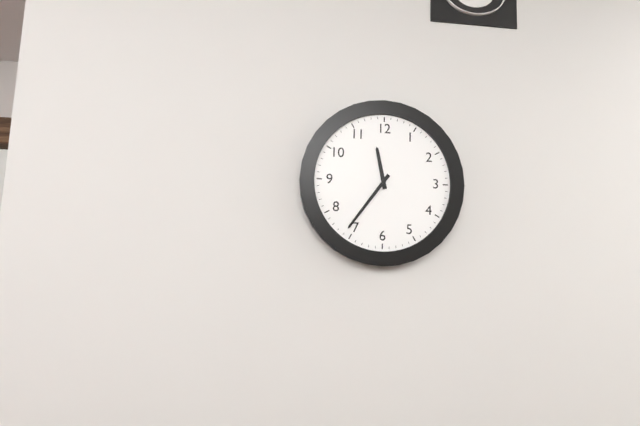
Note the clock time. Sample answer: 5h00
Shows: 11h36
